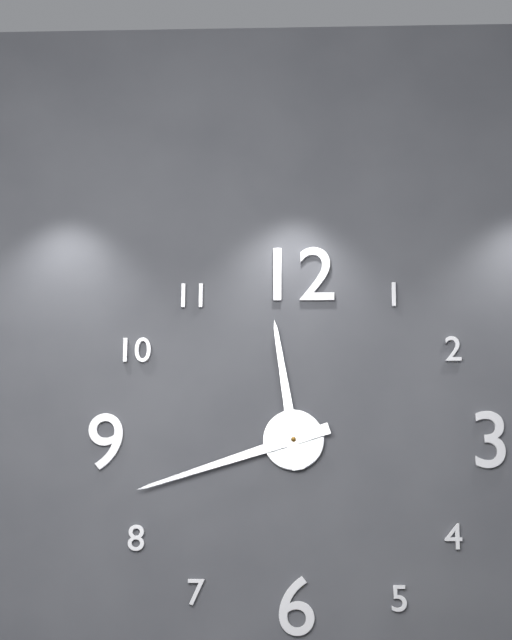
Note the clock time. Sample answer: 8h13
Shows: 11h42
